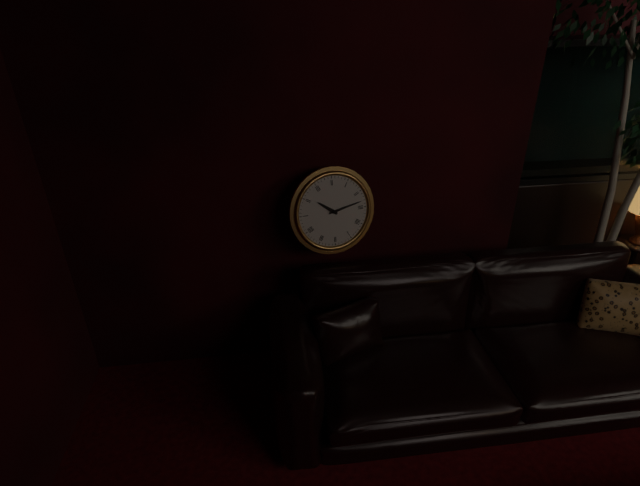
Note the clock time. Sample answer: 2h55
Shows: 10h13
